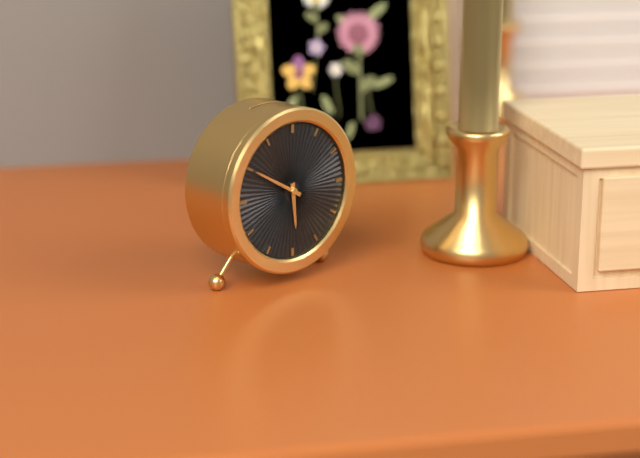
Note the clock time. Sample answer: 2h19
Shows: 5h50
